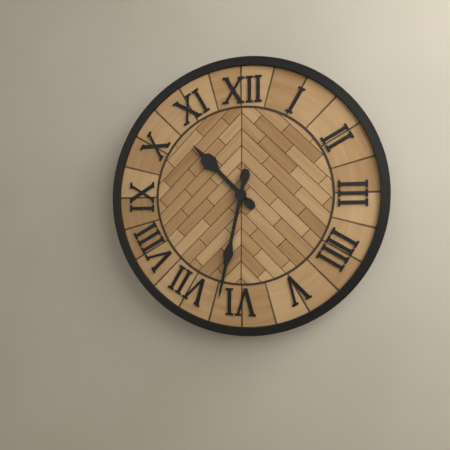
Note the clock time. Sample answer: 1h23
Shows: 10h32
